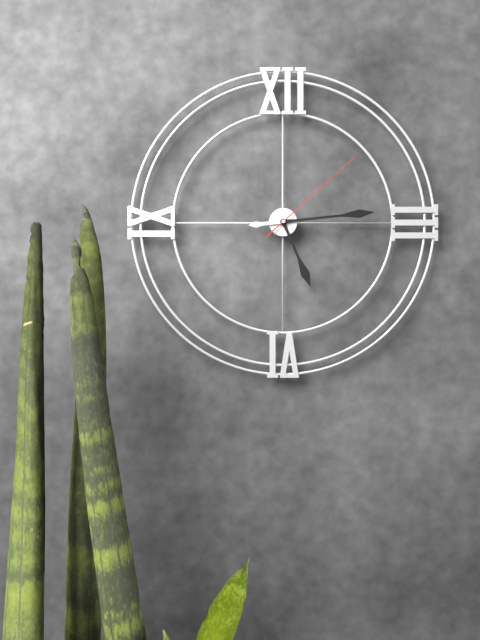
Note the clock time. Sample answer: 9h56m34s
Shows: 5h14m08s
